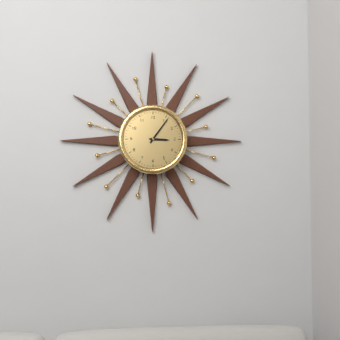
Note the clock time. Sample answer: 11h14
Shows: 3h06
